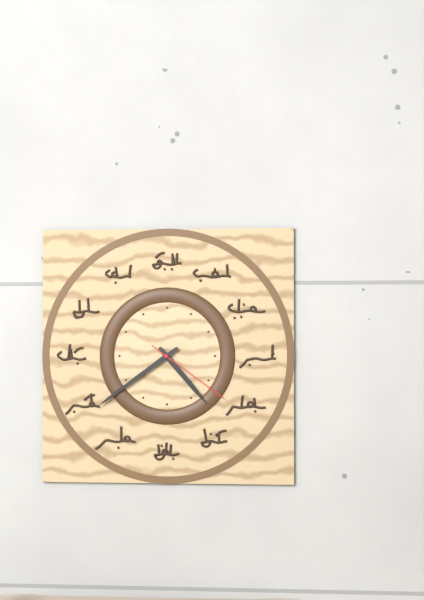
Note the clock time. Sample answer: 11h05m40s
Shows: 4h39m21s
